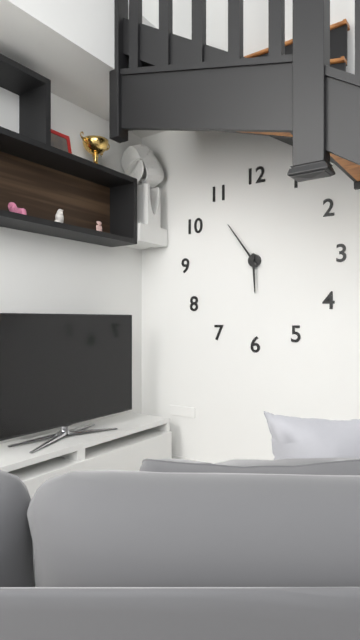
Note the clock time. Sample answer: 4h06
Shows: 5h54
